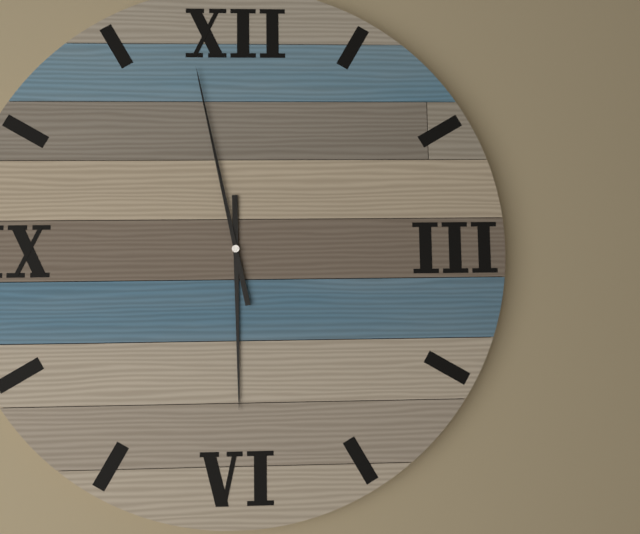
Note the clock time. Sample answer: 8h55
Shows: 5h58
